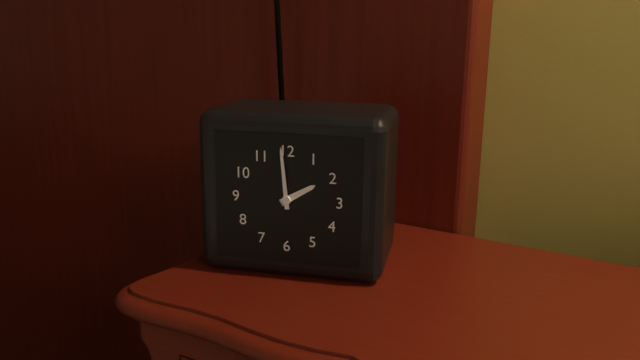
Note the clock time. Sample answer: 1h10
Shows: 1h59
